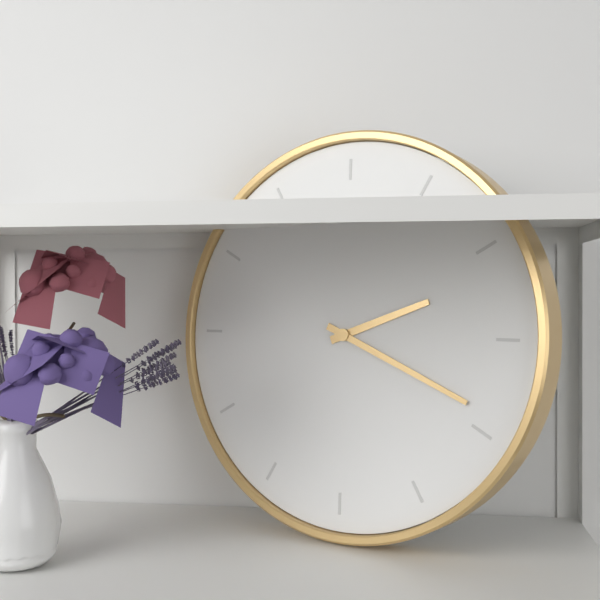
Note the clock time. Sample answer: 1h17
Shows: 2h19
